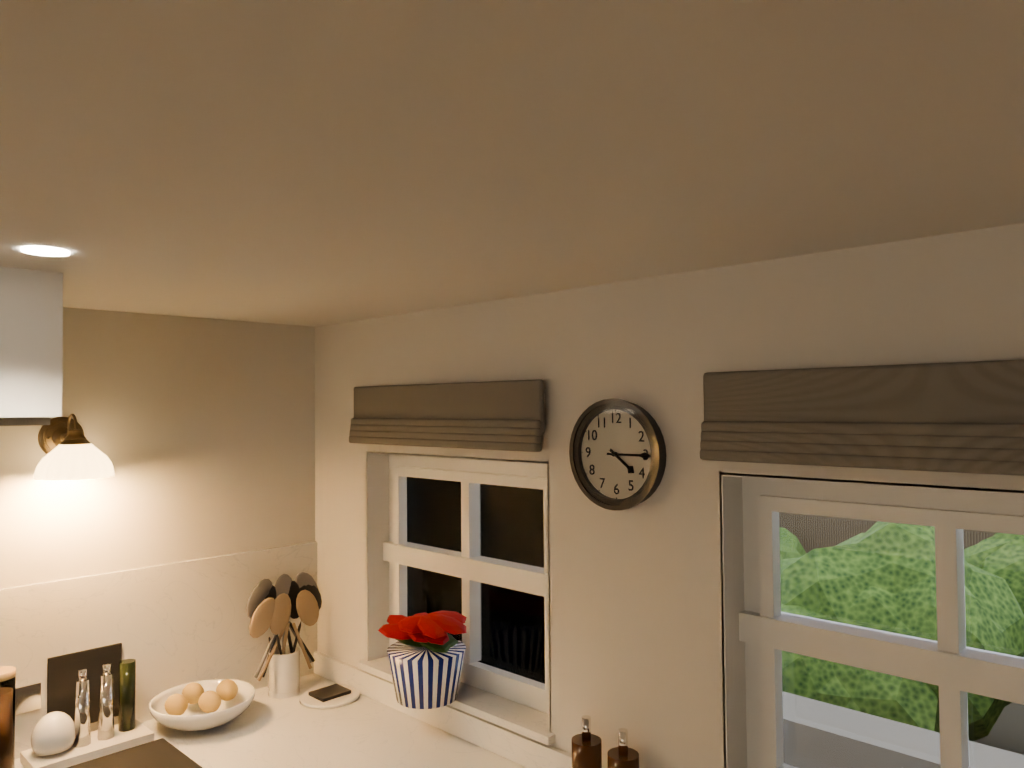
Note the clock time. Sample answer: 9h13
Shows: 4h15
